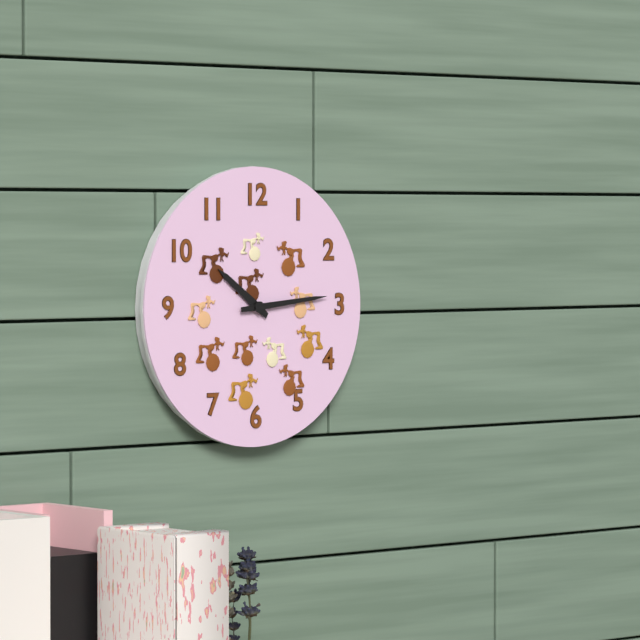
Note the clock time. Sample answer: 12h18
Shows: 10h14
